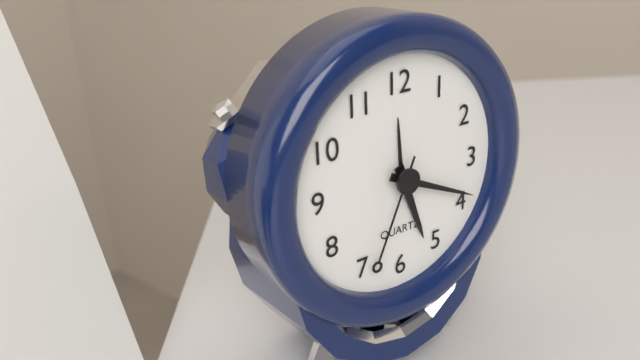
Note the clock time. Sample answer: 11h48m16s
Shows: 5h19m34s
